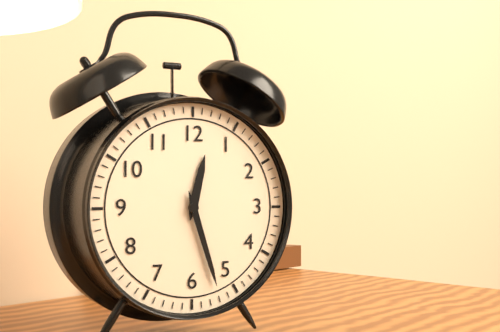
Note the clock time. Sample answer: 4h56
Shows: 12h27
